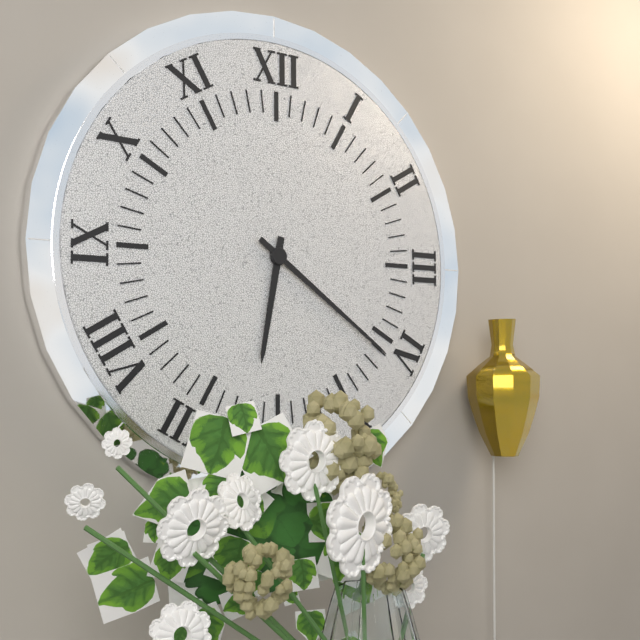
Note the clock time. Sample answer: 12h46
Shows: 6h21
